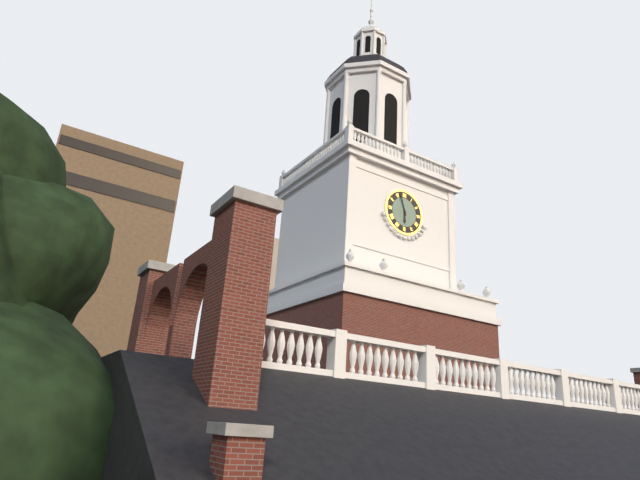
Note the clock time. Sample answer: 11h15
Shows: 5h57
